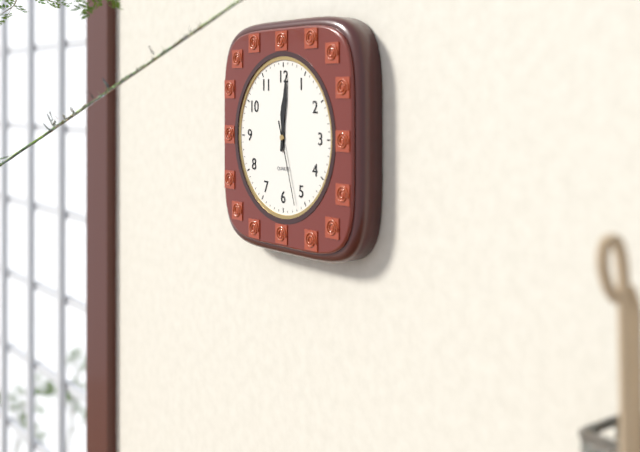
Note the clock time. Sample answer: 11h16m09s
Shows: 12h01m27s
